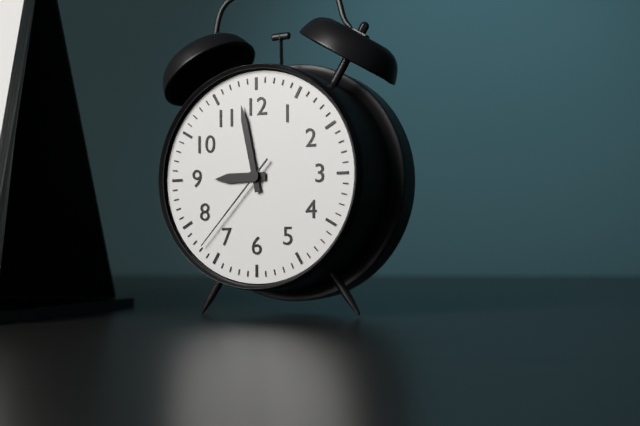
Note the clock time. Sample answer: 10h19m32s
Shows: 8h58m37s
